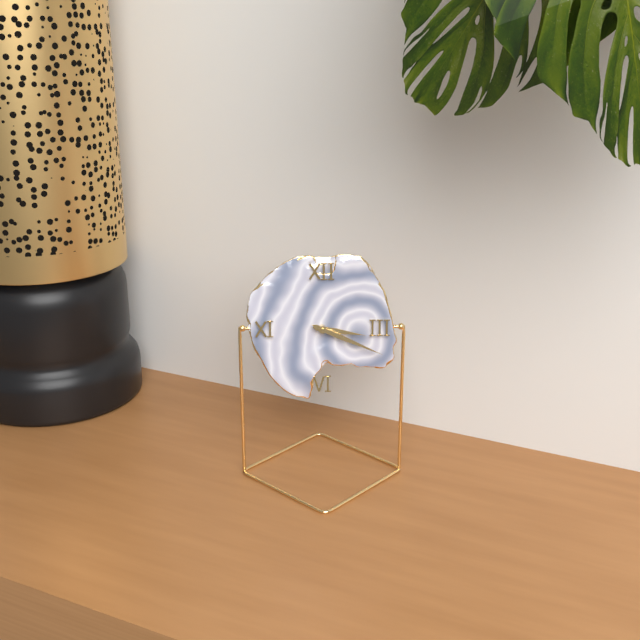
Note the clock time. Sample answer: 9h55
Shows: 3h19
